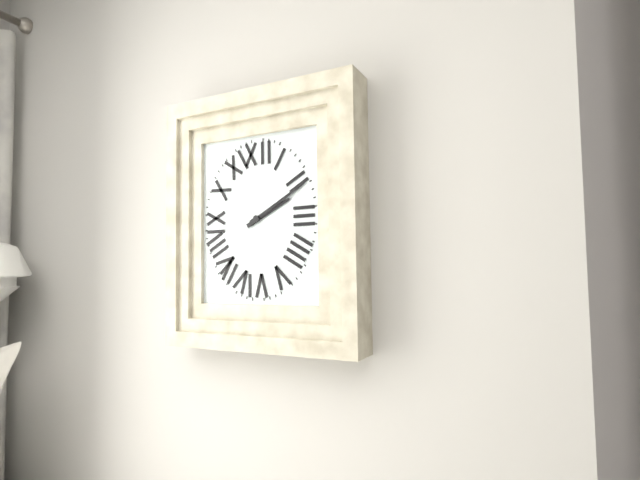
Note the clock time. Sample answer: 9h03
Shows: 2h10
